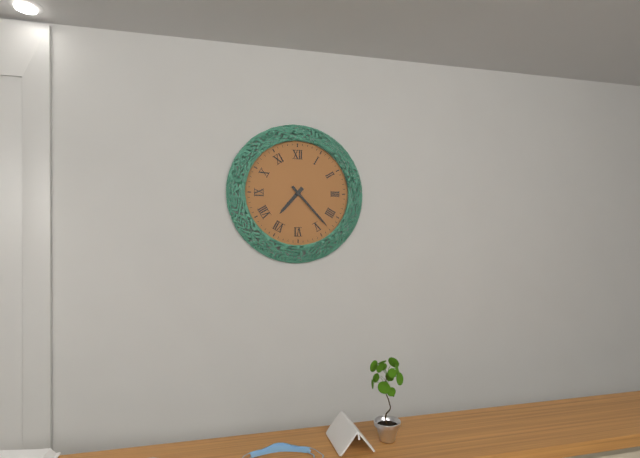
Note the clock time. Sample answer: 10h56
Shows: 7h23
